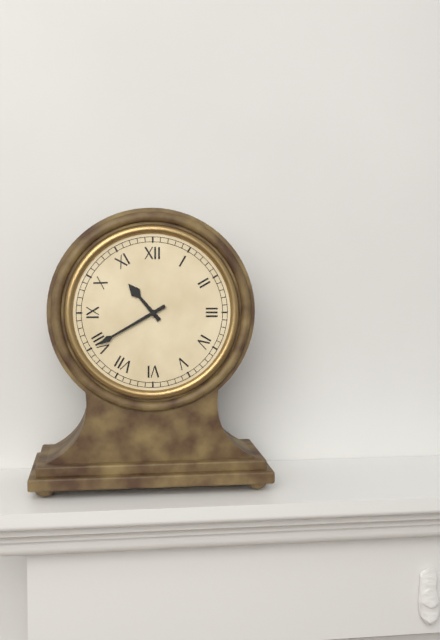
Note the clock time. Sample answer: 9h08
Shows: 10h40
